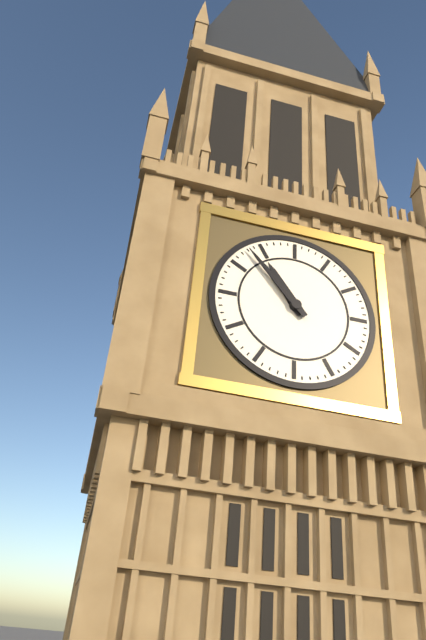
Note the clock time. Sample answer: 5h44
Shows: 10h53
